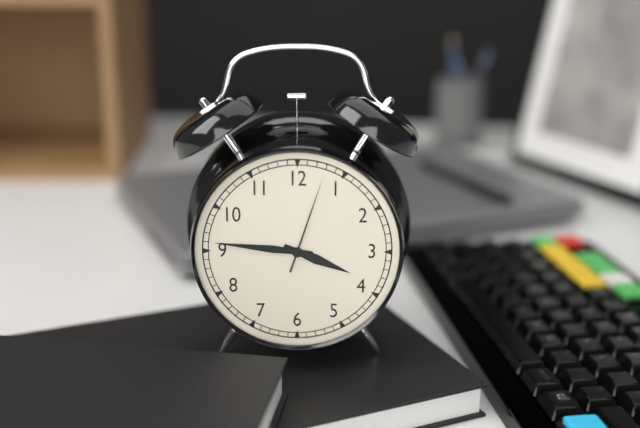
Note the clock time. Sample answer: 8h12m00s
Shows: 3h46m03s
